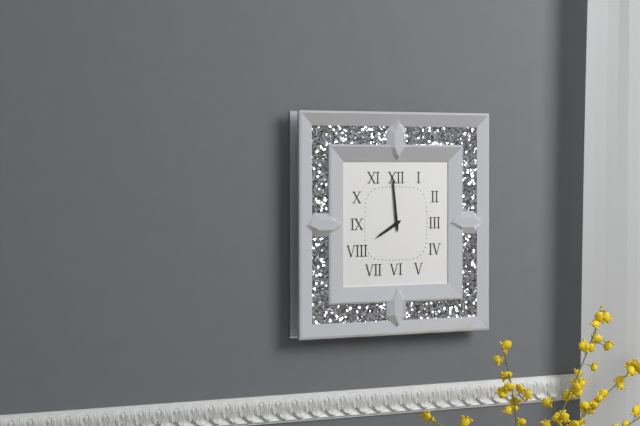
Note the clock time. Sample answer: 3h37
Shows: 7h59
